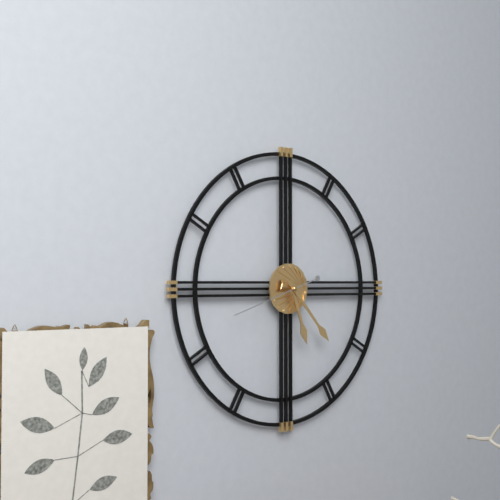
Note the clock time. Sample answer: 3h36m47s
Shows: 5h23m42s
